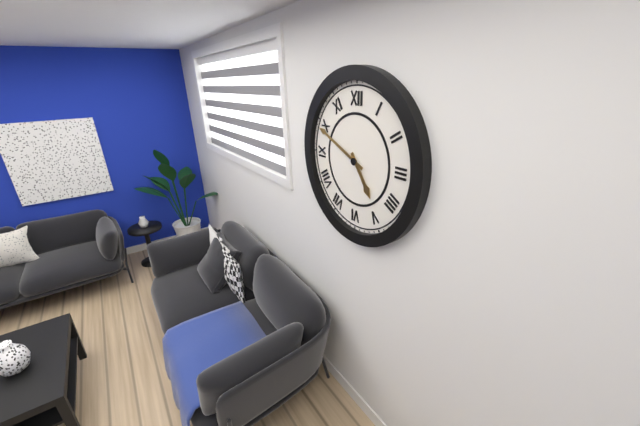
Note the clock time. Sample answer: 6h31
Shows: 4h49
